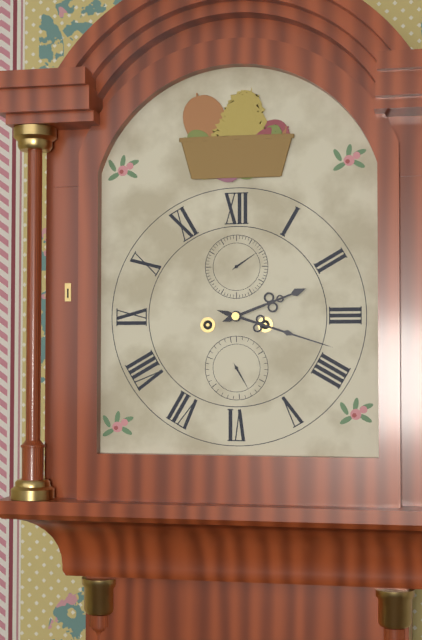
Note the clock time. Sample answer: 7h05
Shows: 2h18
